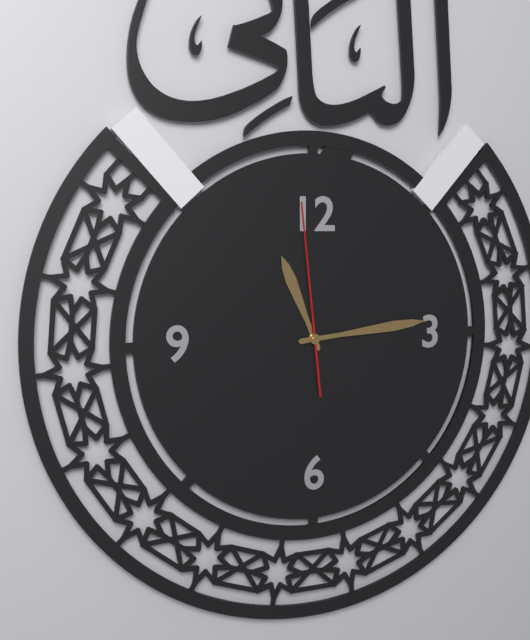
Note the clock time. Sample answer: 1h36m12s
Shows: 11h14m59s
